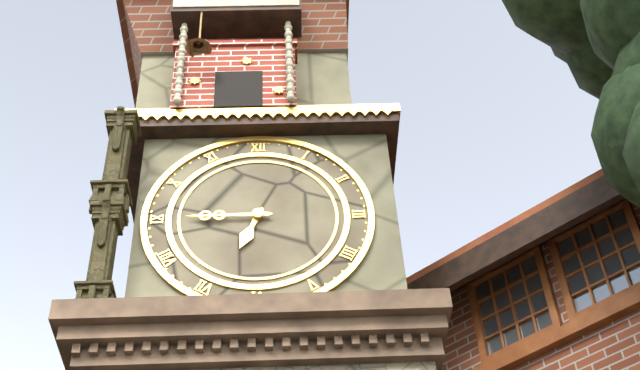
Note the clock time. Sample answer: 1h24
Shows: 6h45
